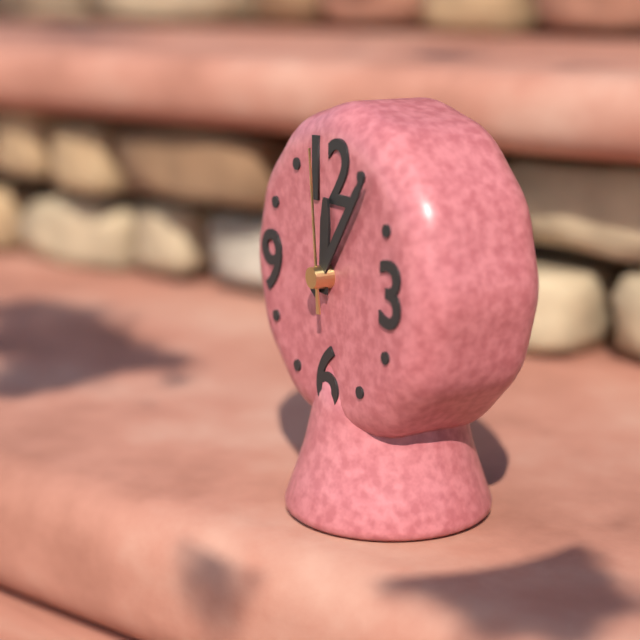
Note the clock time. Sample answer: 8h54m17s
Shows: 12h06m59s
